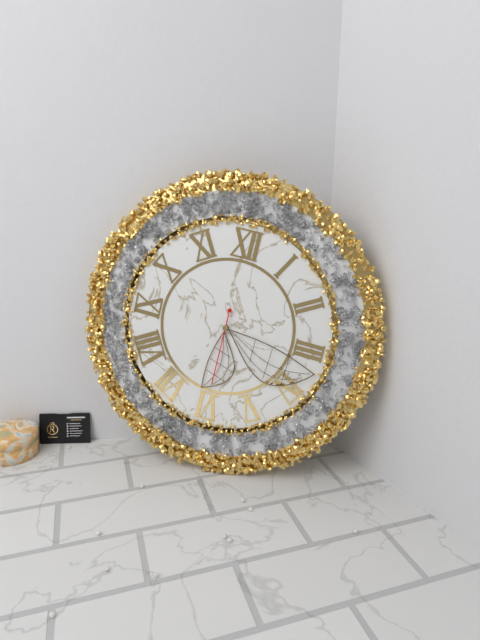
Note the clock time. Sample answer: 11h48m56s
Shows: 6h17m30s
